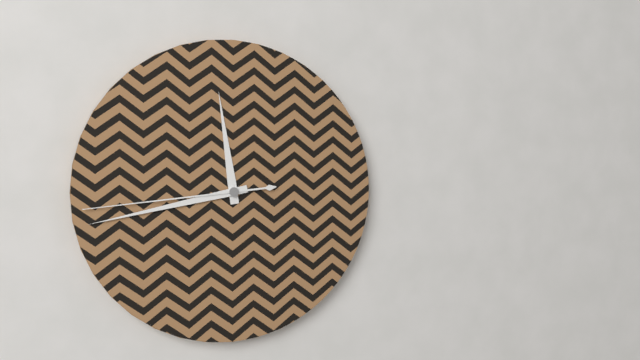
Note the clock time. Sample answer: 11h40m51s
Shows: 11h43m44s
